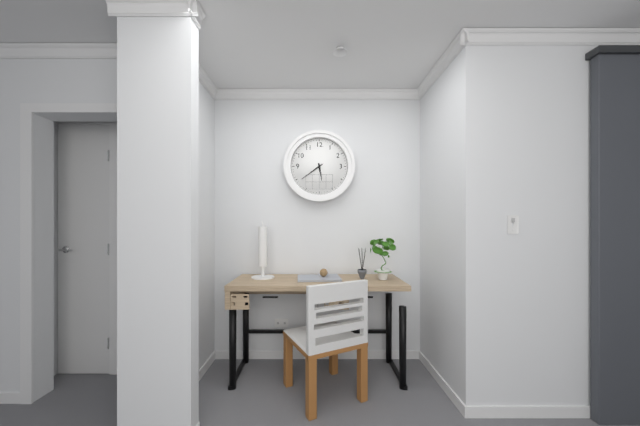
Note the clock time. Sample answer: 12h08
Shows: 5h39
